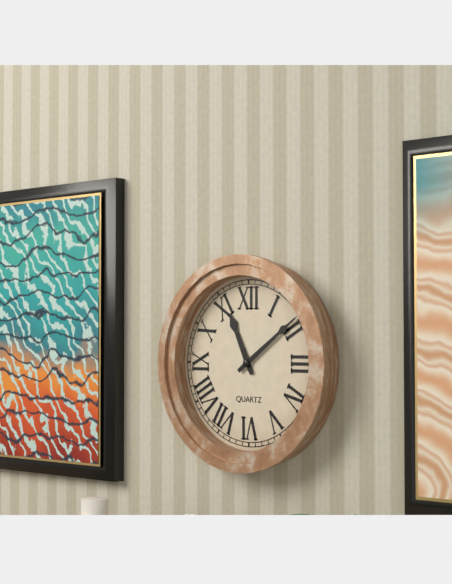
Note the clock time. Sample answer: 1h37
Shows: 11h09
